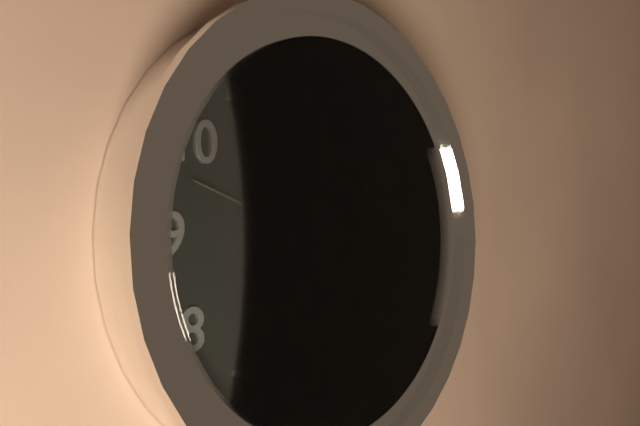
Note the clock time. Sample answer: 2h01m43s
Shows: 7h19m48s
